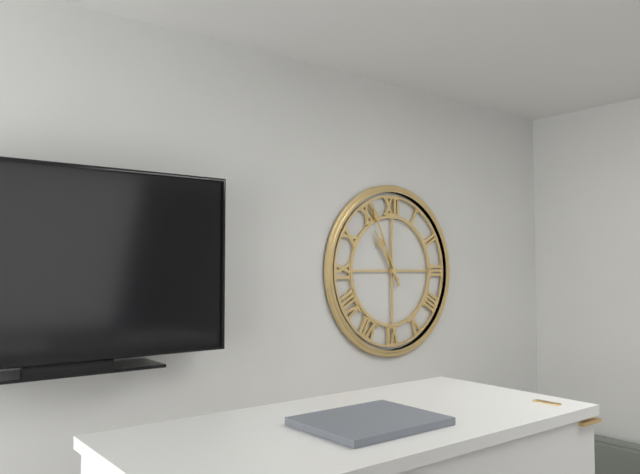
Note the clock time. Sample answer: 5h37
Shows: 10h56
